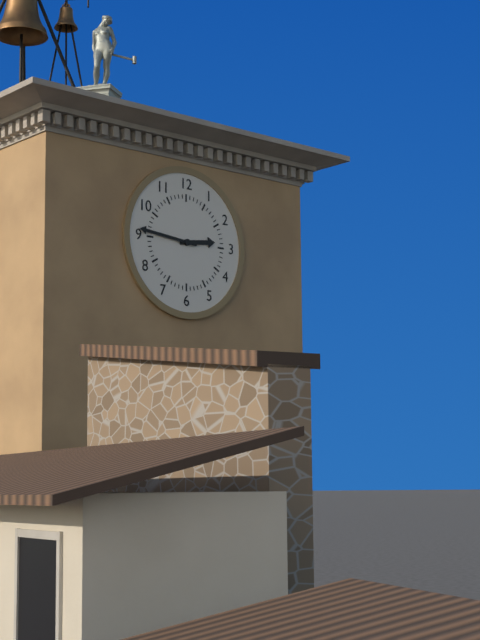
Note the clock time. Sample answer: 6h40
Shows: 2h46
